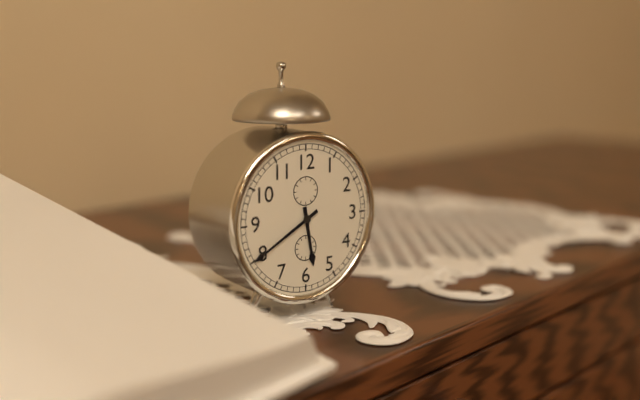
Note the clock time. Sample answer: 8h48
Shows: 5h40
